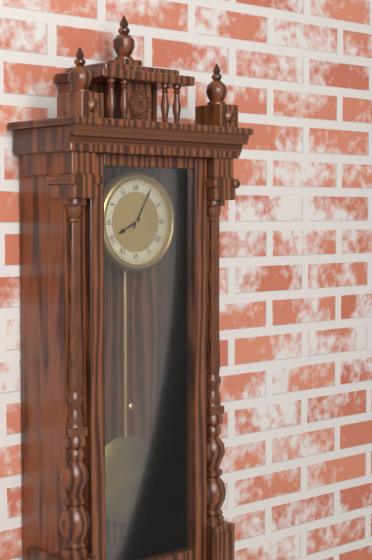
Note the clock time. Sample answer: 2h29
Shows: 8h05
